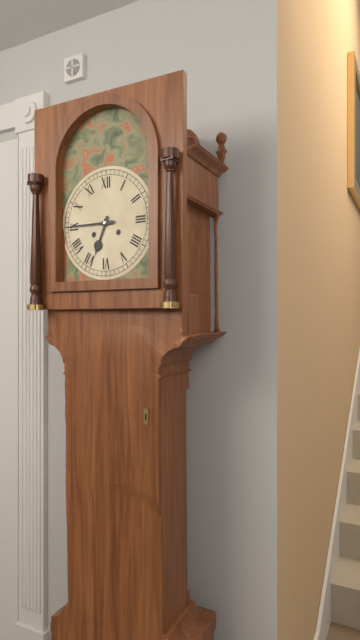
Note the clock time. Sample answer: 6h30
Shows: 6h45
